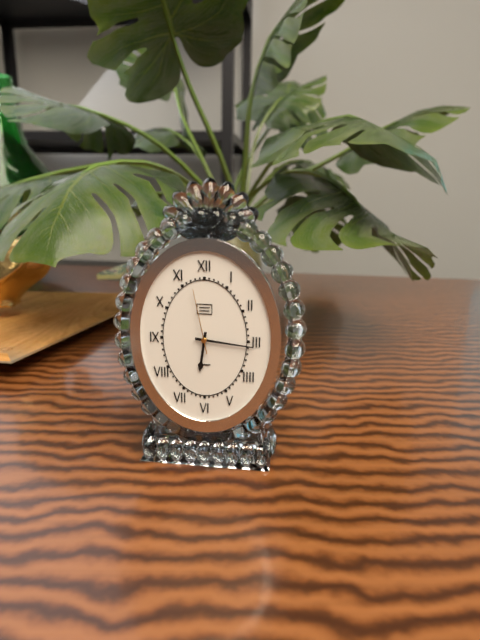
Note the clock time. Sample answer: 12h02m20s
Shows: 6h16m58s
